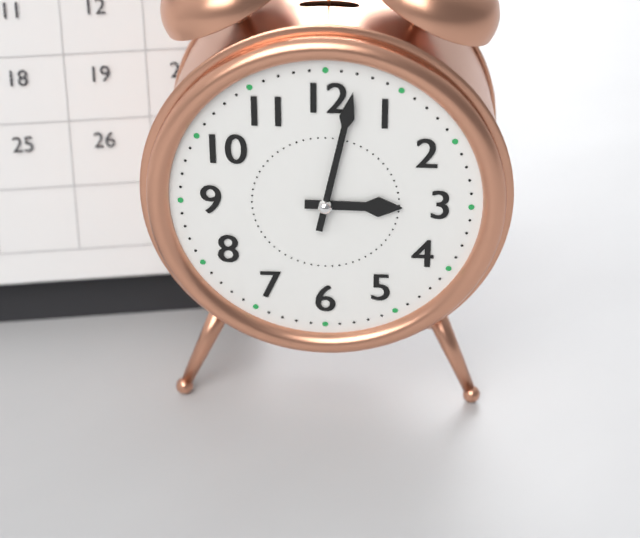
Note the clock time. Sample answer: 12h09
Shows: 3h02
